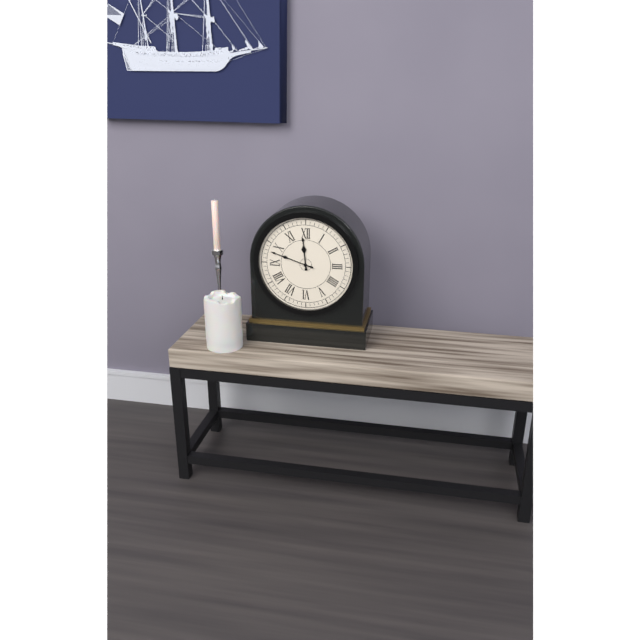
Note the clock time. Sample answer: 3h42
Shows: 11h48
